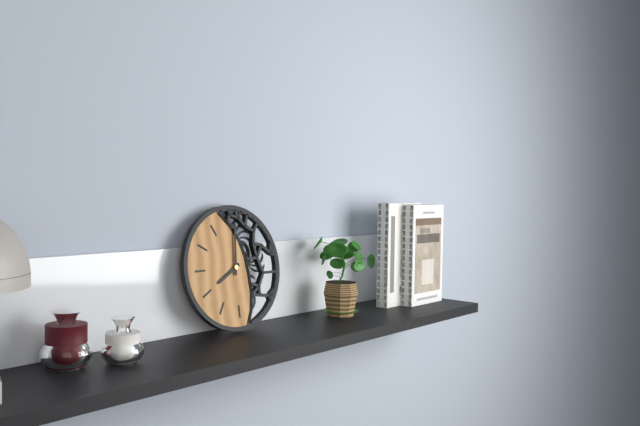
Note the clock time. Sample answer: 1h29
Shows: 8h01
